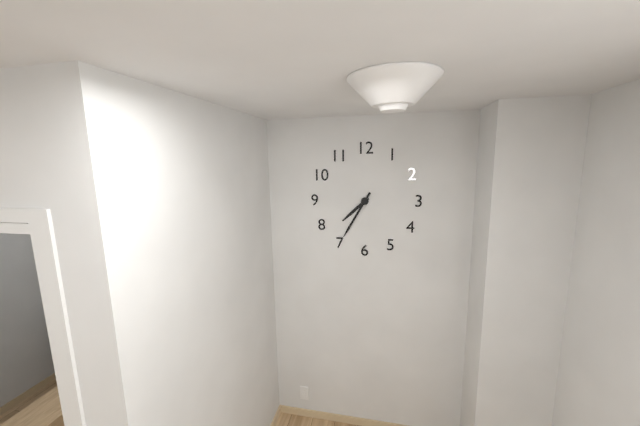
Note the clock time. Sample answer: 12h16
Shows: 7h35
